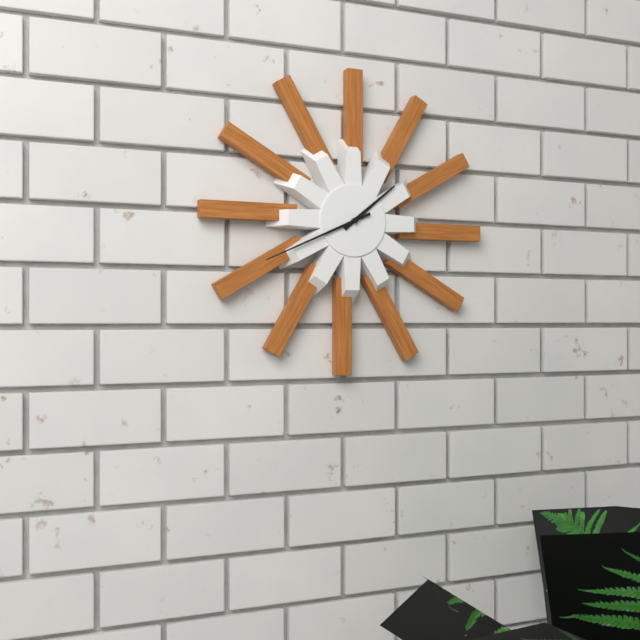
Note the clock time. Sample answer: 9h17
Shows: 1h41
